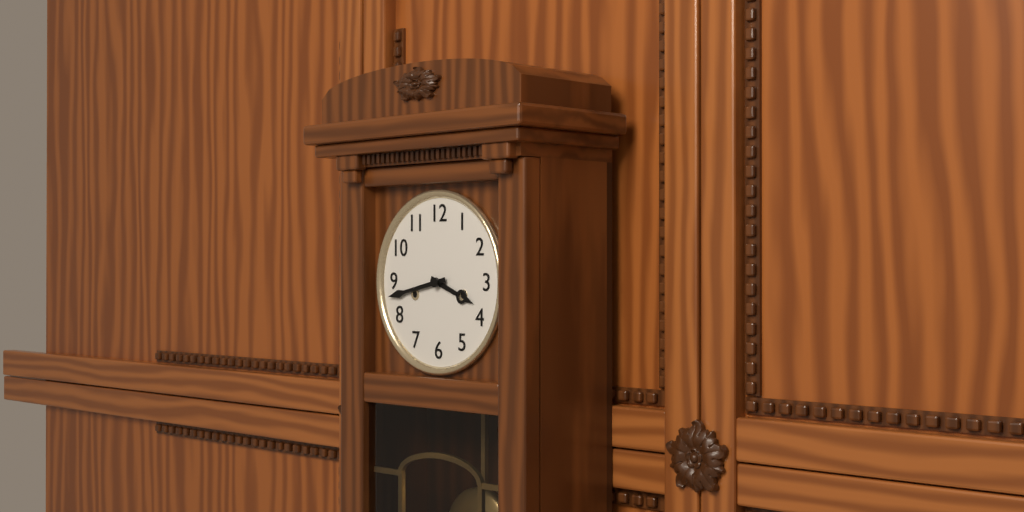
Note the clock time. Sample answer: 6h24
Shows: 3h43
